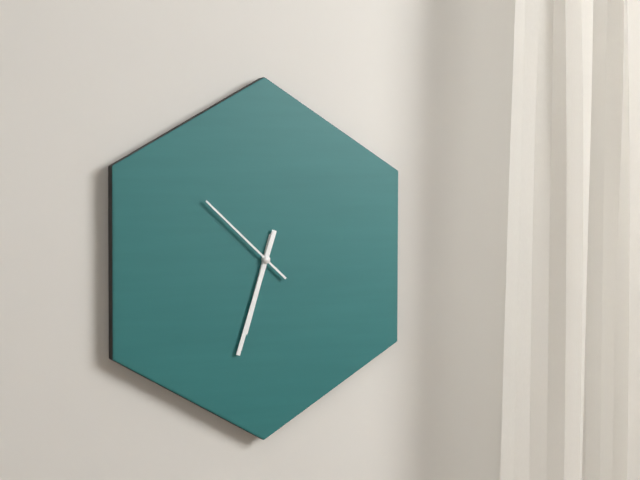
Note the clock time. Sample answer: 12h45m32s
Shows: 6h33m52s
